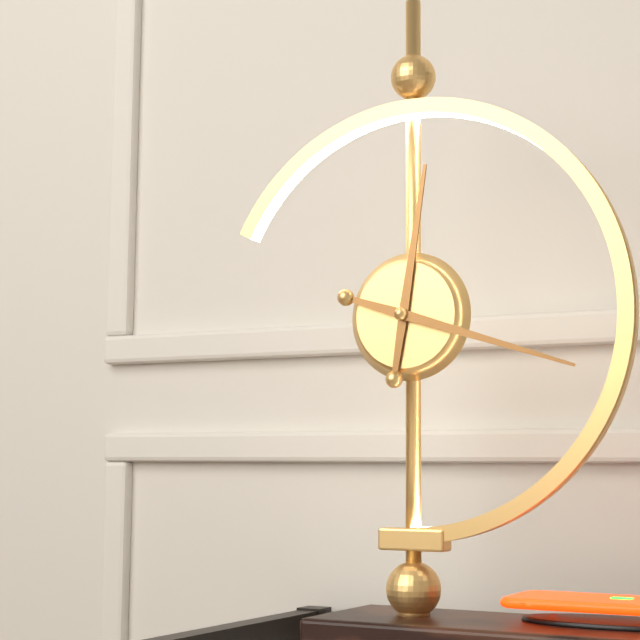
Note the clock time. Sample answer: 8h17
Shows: 12h18
